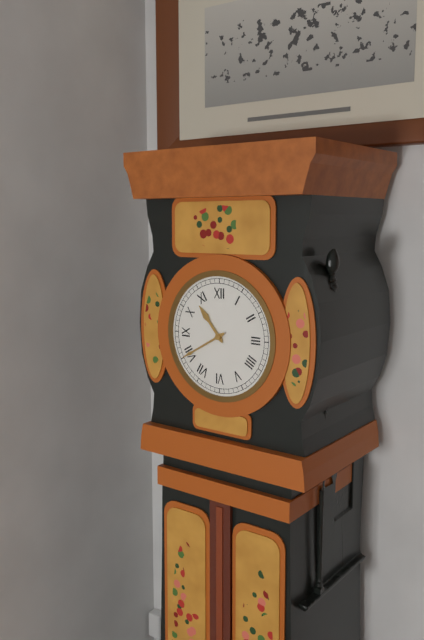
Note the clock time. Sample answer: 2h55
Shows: 10h40
